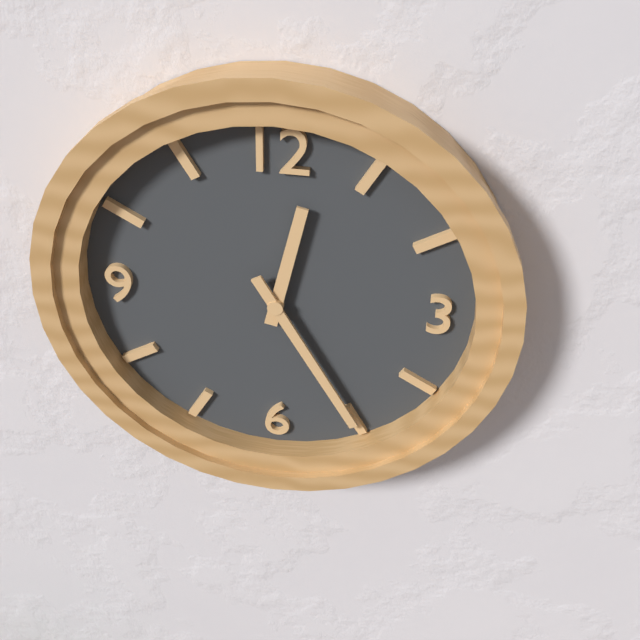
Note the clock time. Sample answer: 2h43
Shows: 12h25
